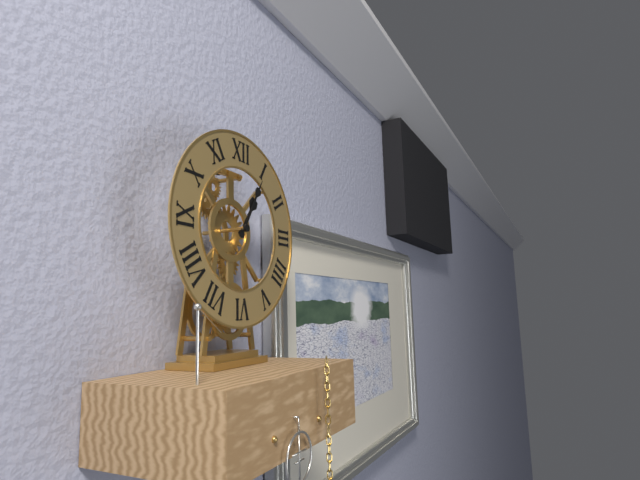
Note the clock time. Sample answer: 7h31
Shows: 1h05
